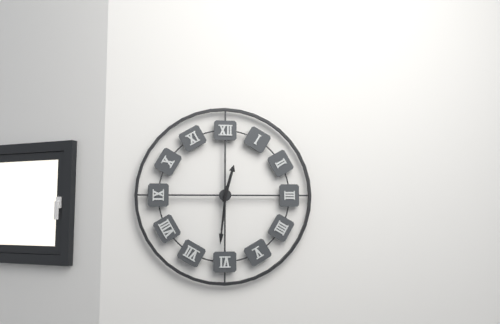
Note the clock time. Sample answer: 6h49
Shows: 12h31
